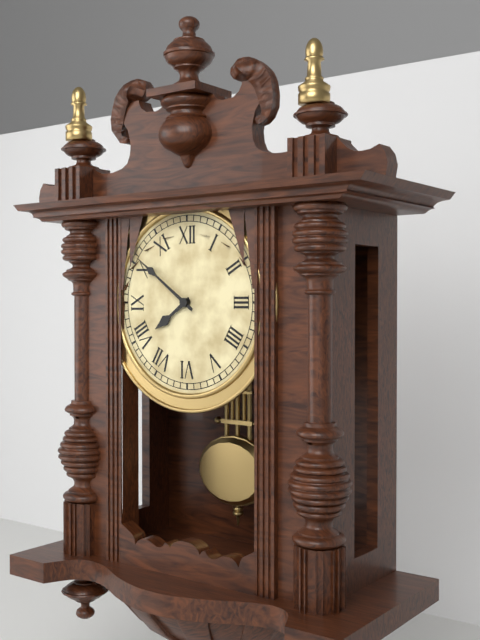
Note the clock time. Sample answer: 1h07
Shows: 7h51
